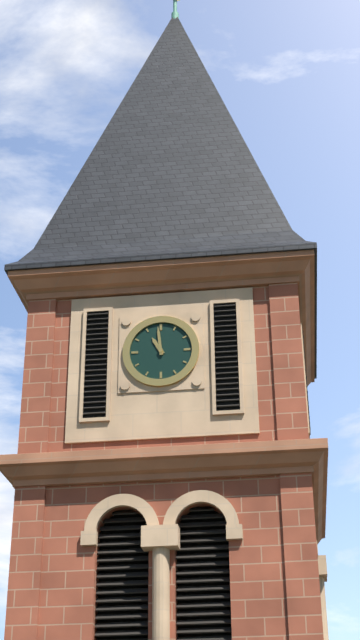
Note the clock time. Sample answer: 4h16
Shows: 10h59
